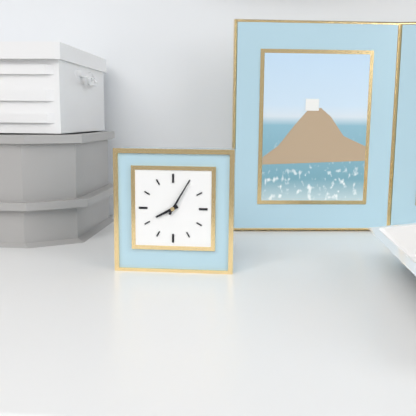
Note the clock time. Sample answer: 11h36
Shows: 8h05
